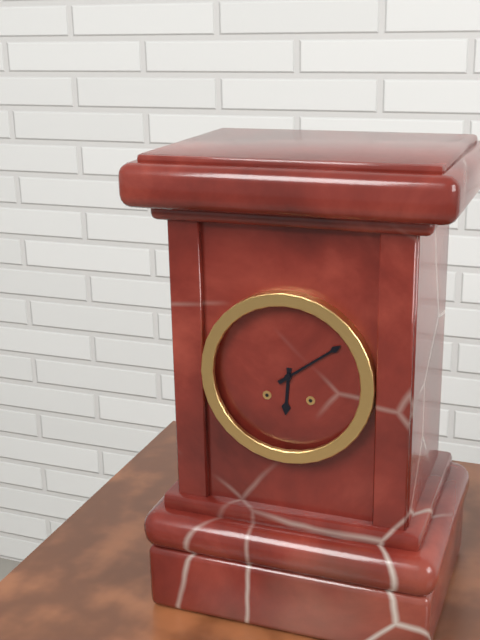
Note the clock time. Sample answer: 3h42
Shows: 6h09
